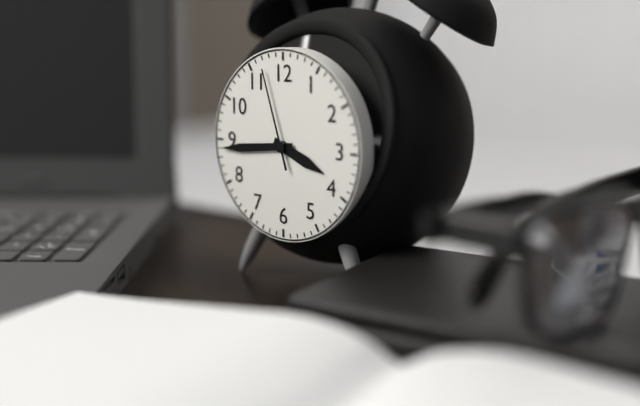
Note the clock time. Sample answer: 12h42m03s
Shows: 3h44m57s
